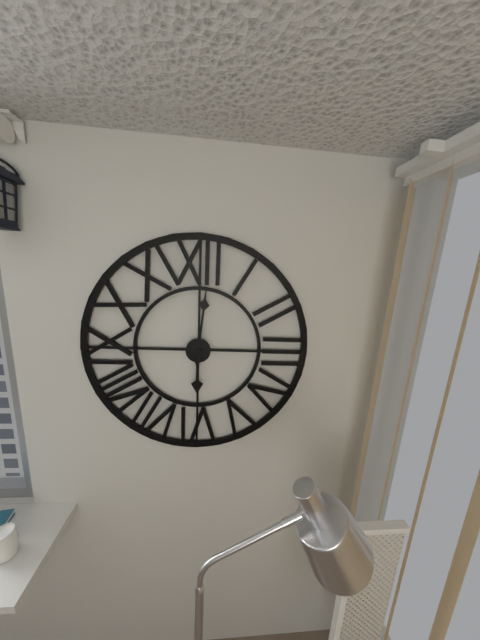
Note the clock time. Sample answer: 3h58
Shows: 6h01
